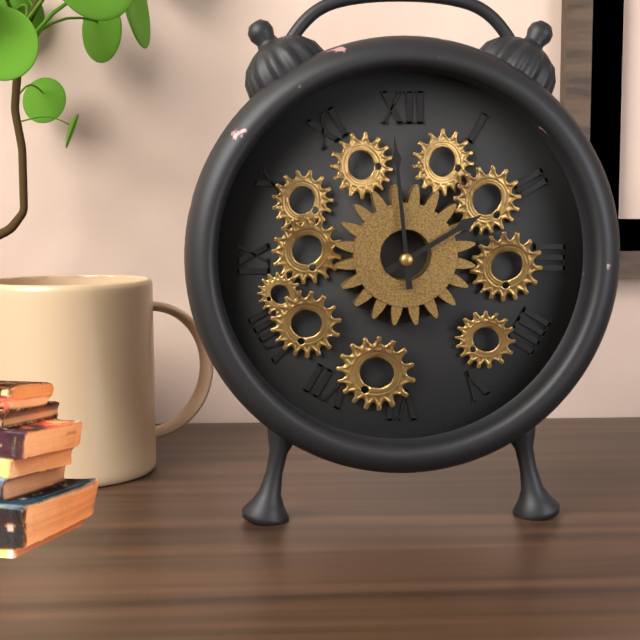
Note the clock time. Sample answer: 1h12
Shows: 1h59
